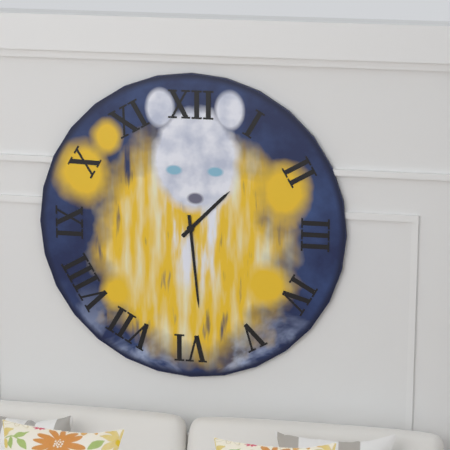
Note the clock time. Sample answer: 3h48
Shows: 1h29
